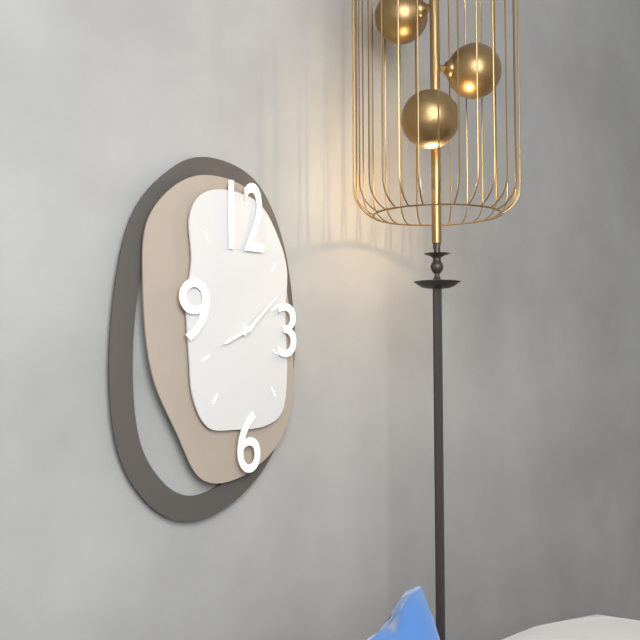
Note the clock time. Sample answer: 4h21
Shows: 8h08
